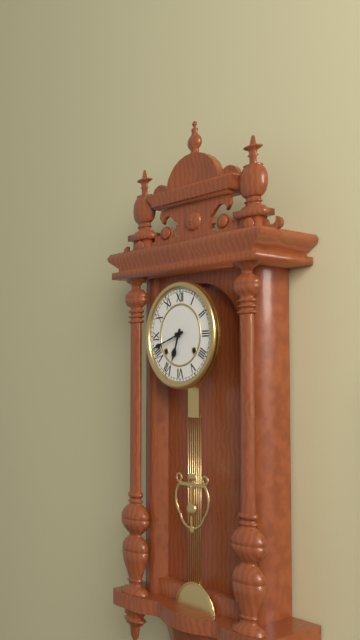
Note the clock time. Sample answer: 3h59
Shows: 6h42
